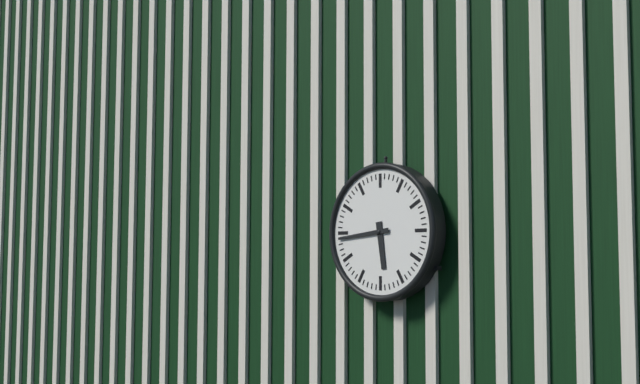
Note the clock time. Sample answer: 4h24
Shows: 5h44
